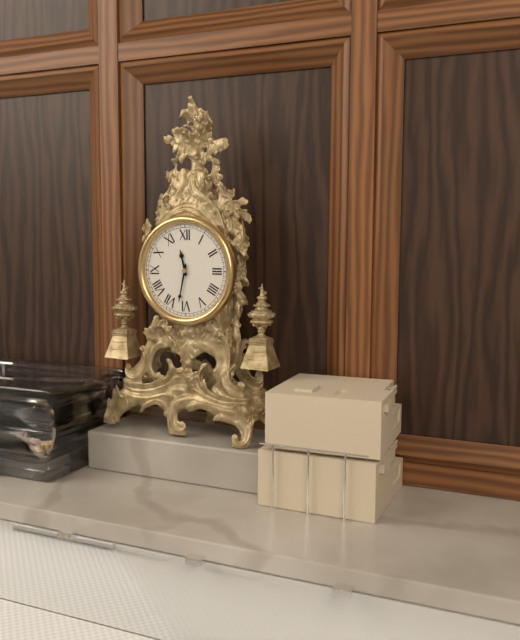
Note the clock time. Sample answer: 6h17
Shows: 11h32
